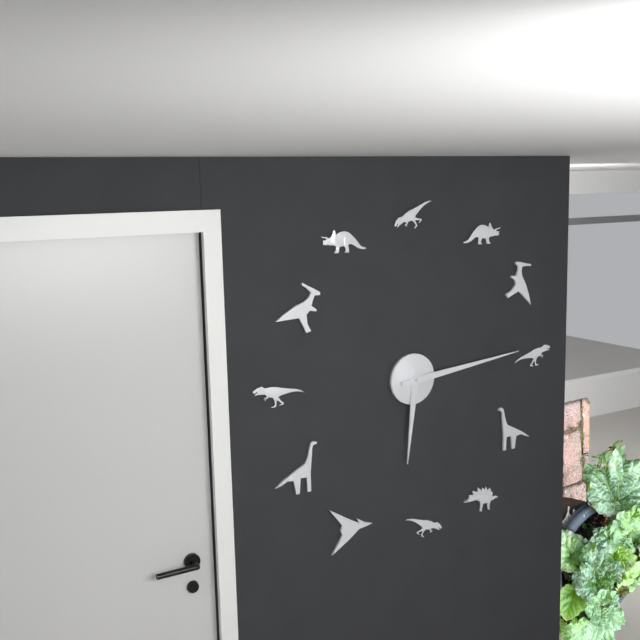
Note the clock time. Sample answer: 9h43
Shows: 6h14
